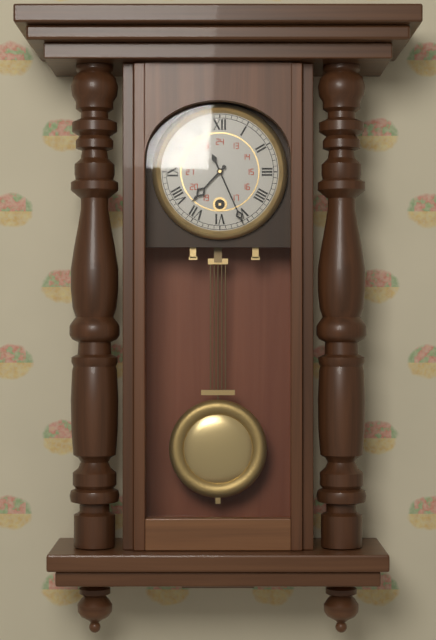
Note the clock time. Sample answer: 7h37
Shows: 7h26
